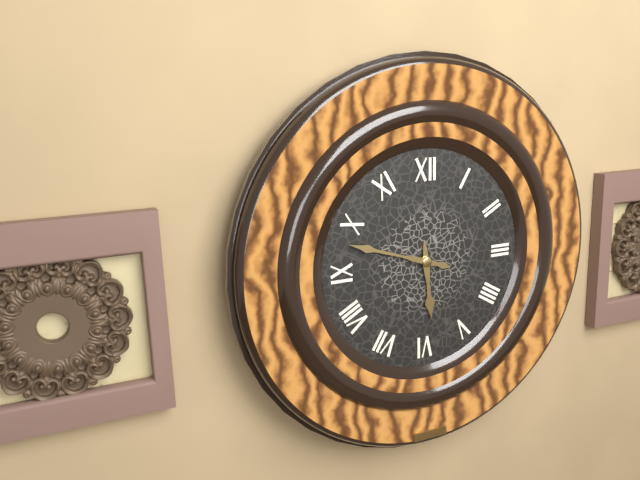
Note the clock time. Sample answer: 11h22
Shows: 5h48
